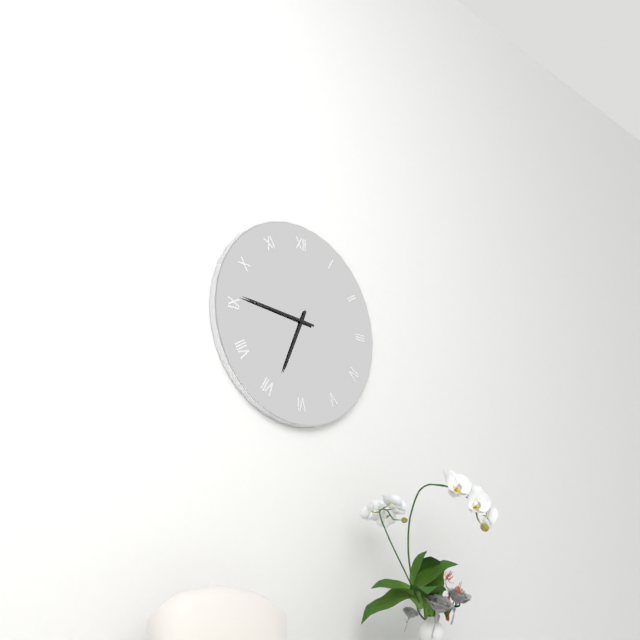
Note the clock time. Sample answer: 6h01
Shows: 6h46
